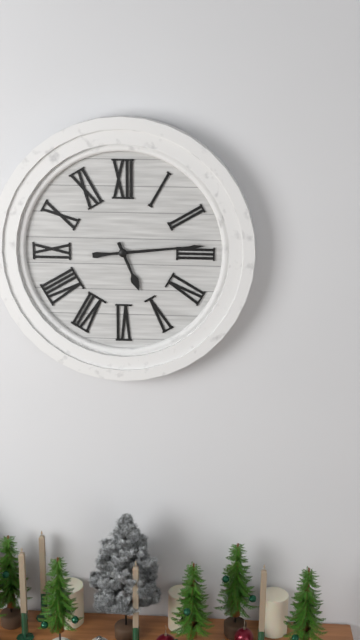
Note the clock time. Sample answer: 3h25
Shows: 5h14
